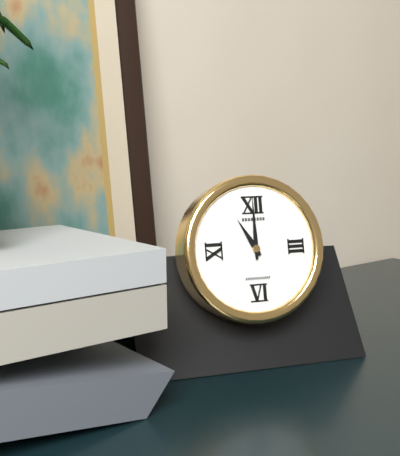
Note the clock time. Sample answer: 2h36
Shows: 11h00
